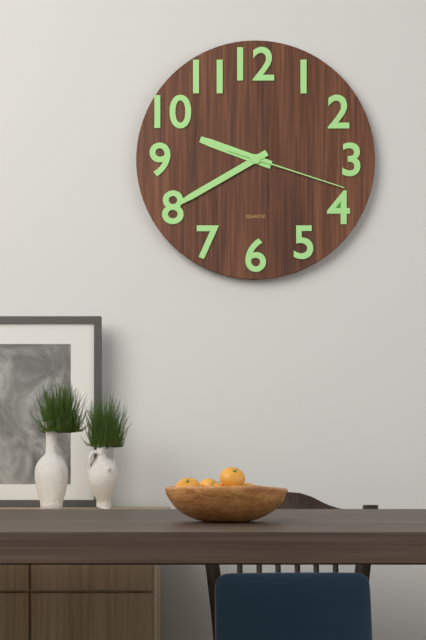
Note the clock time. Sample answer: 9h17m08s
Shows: 9h40m18s
